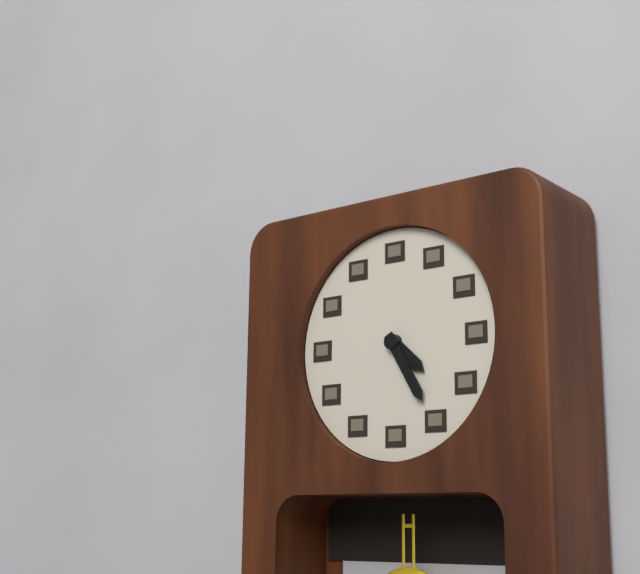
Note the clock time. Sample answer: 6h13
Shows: 4h25
